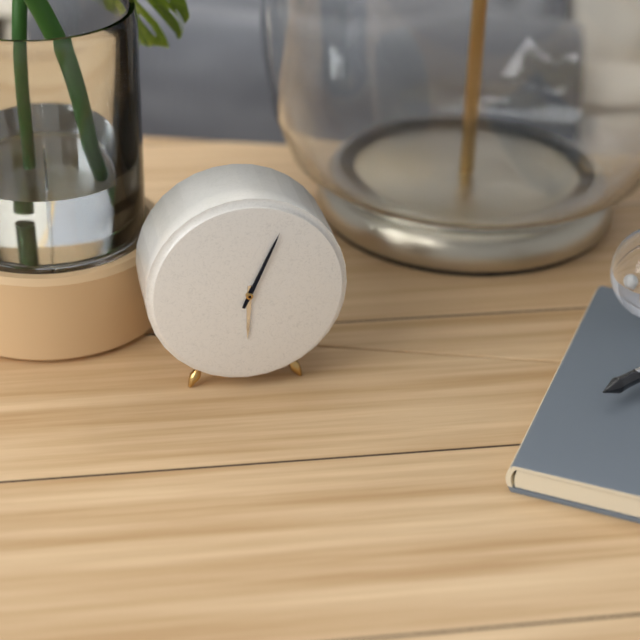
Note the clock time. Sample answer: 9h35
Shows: 6h04
